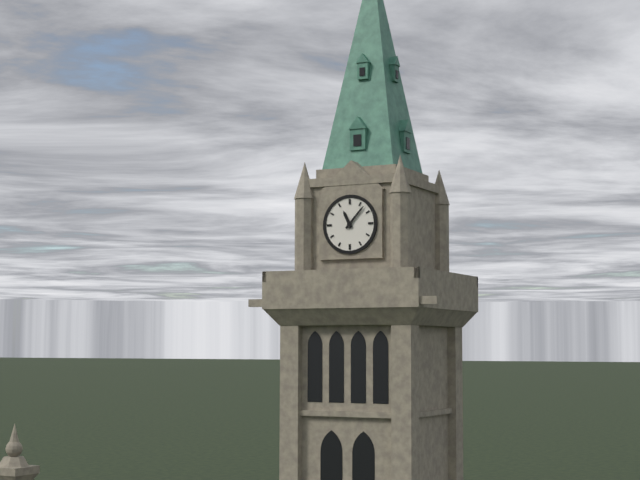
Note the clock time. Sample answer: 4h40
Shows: 11h07
